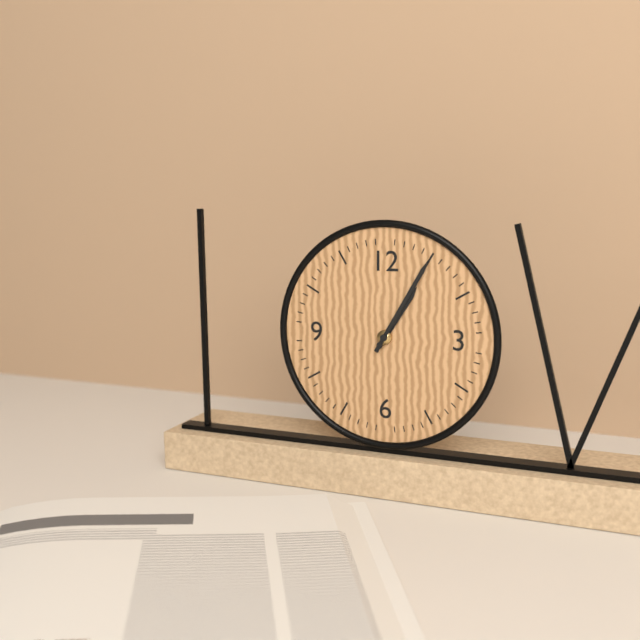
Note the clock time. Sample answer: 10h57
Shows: 1h05
